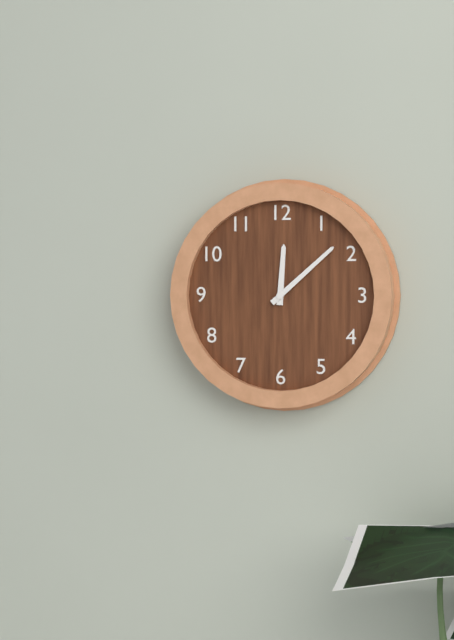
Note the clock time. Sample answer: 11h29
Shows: 12h08
